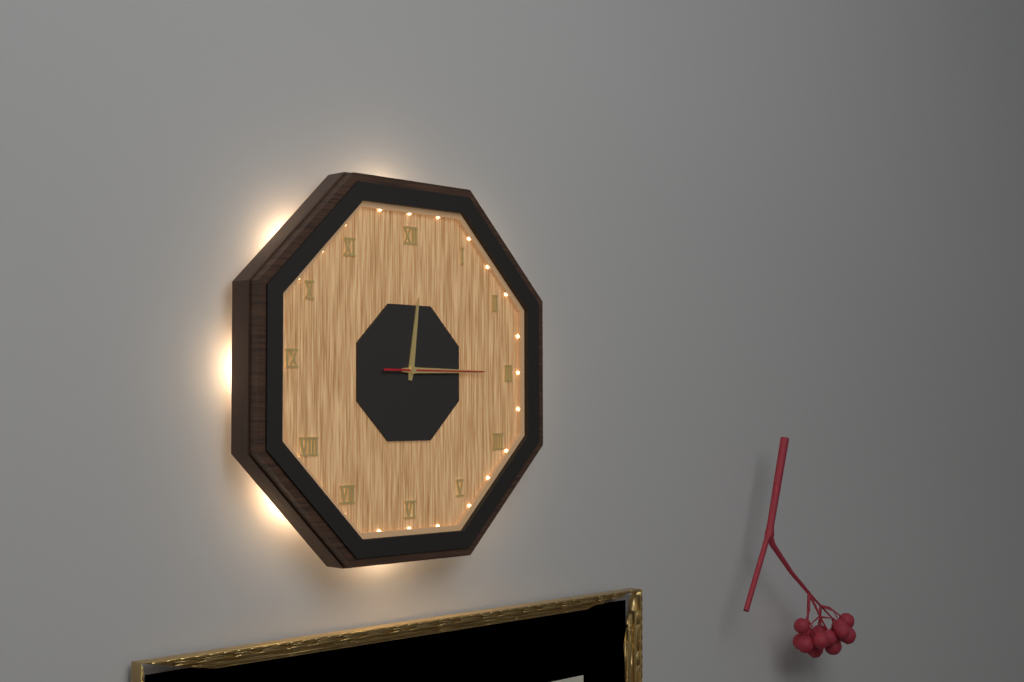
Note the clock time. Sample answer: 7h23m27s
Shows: 12h15m15s
